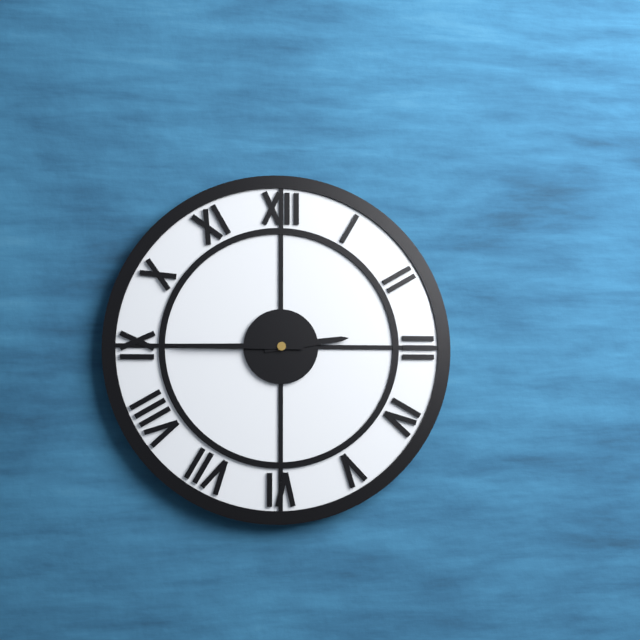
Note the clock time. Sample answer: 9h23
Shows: 2h45
